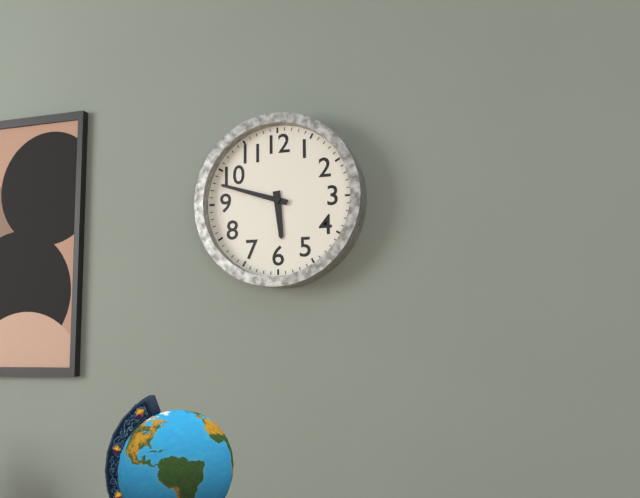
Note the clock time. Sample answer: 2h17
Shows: 5h48
